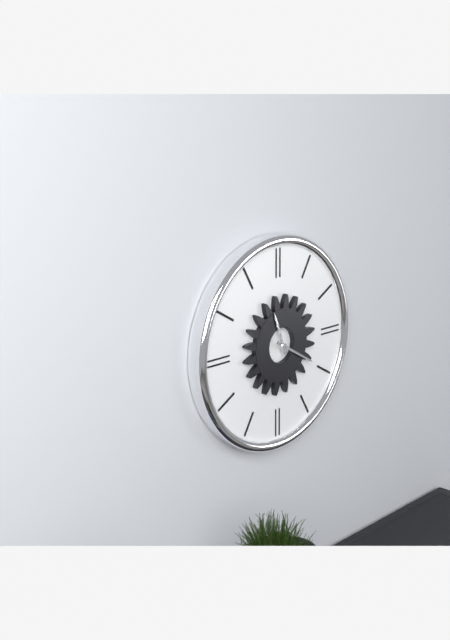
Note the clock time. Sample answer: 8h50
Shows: 11h20
